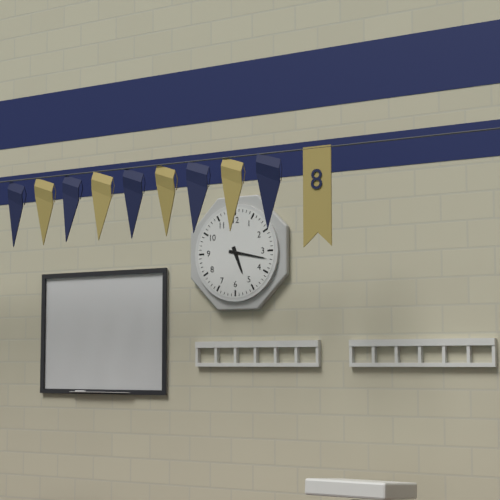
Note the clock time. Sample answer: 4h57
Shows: 5h17
